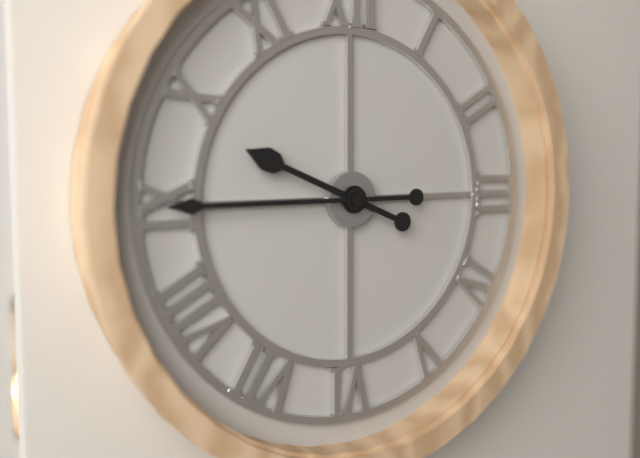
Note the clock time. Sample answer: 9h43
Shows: 9h45
